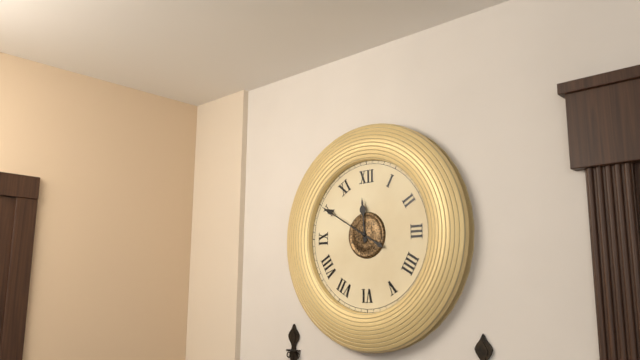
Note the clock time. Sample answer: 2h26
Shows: 11h50
